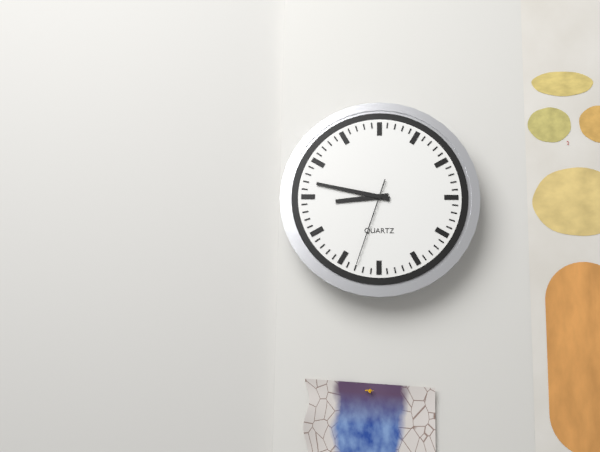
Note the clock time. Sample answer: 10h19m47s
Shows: 8h47m33s
